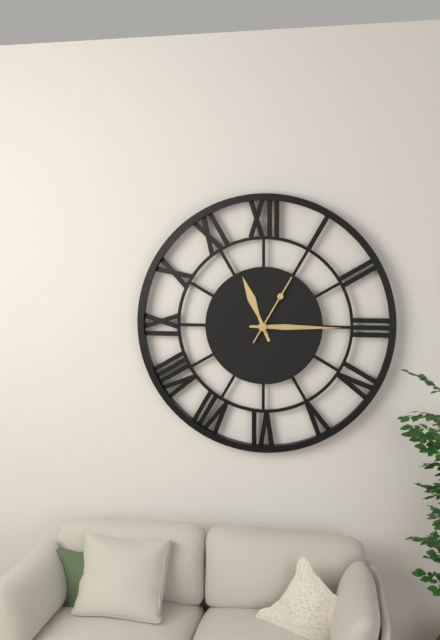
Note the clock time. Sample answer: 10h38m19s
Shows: 11h15m05s
